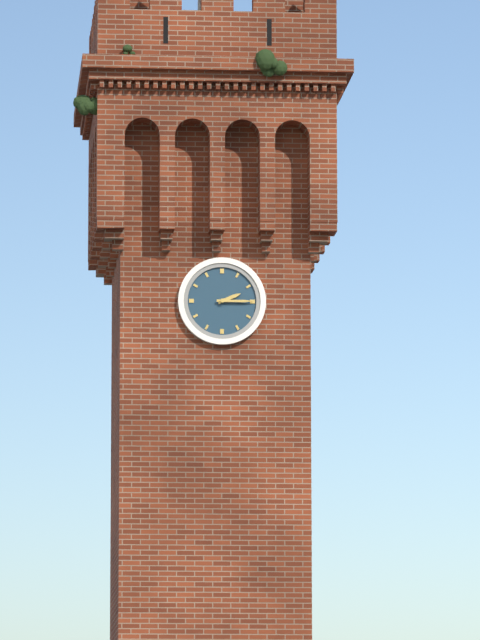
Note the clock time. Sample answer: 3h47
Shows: 2h15
